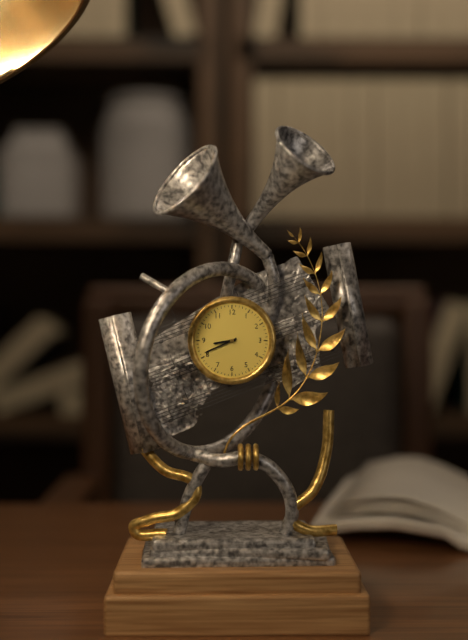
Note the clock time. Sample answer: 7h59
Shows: 8h41
